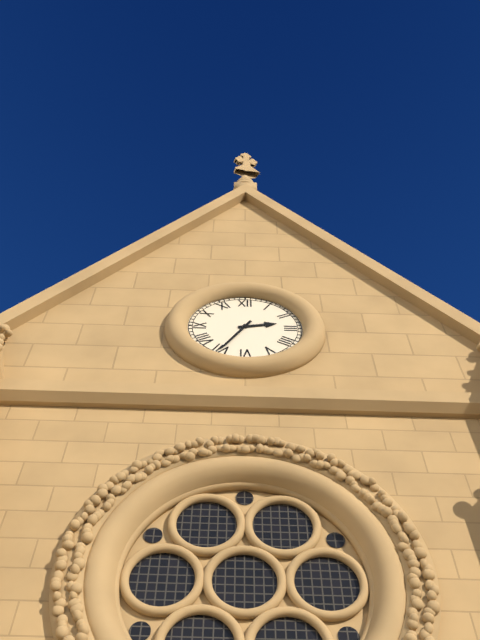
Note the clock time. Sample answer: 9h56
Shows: 2h35
